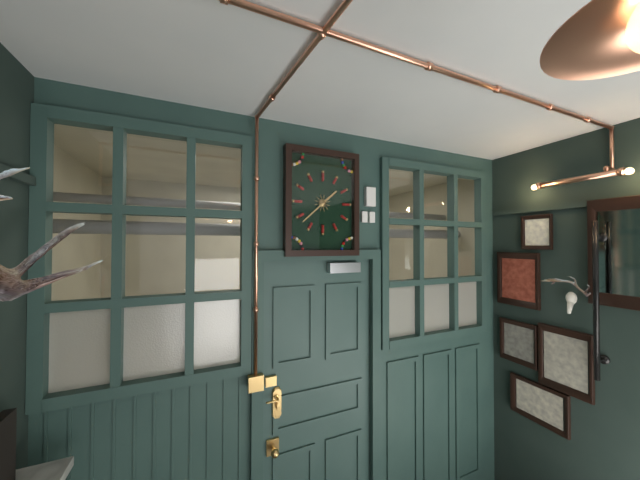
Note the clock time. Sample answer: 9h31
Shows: 1h38
